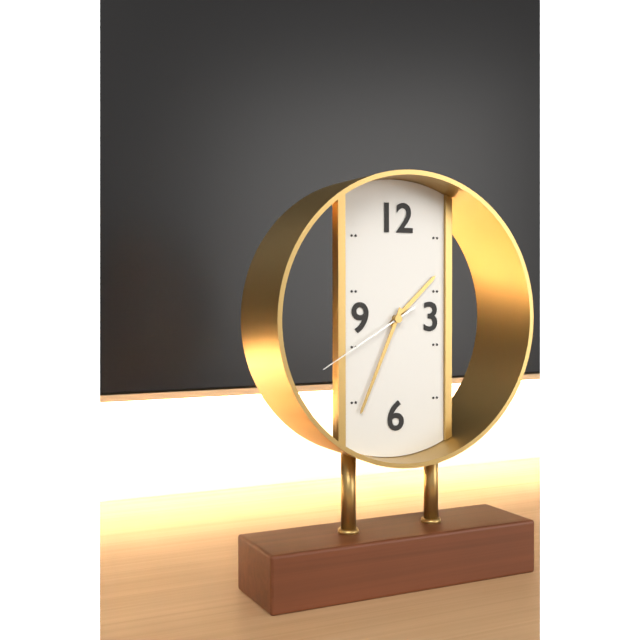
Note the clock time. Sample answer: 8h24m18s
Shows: 1h34m40s
